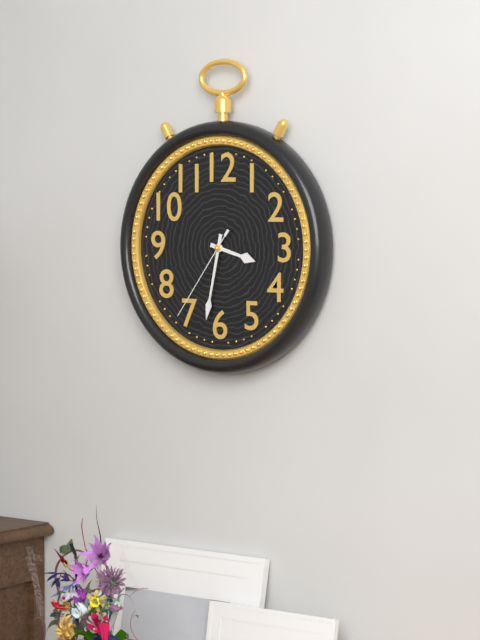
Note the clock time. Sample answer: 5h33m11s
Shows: 3h32m36s
